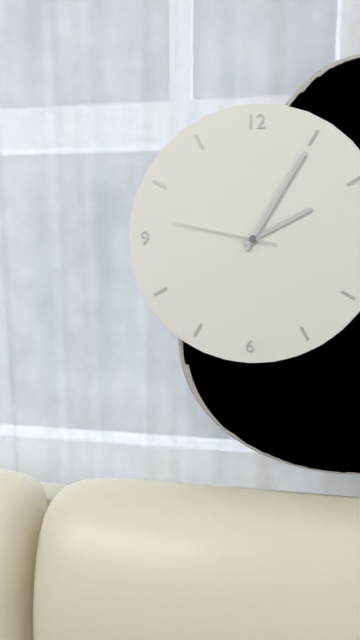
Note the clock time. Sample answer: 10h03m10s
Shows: 2h05m47s
